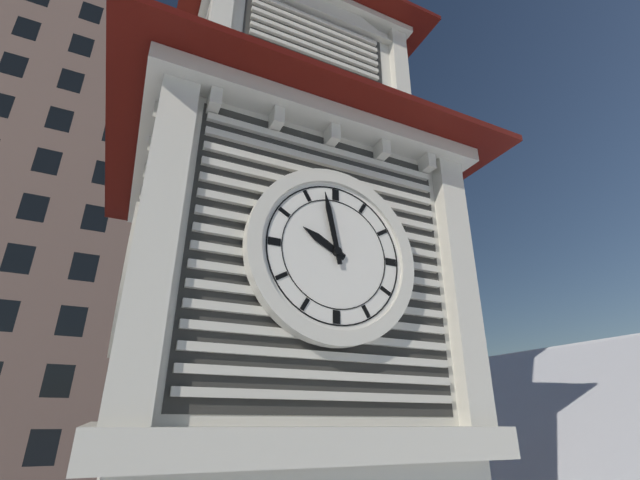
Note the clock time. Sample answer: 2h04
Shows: 9h58
